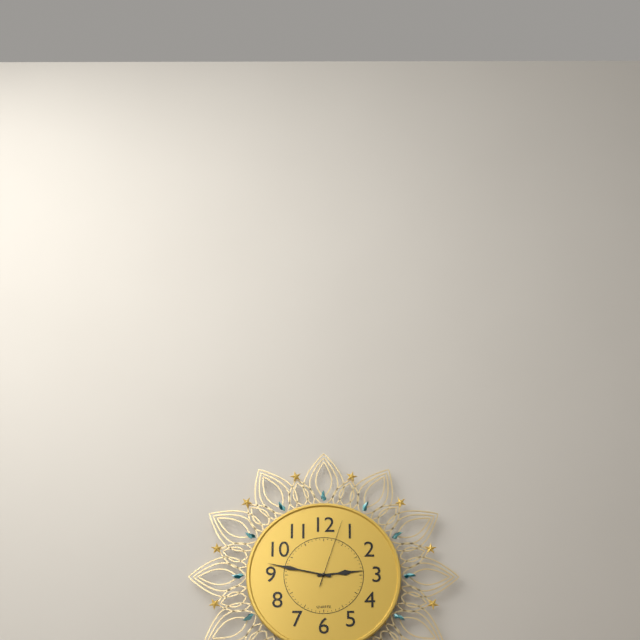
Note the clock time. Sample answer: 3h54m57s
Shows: 2h47m03s
